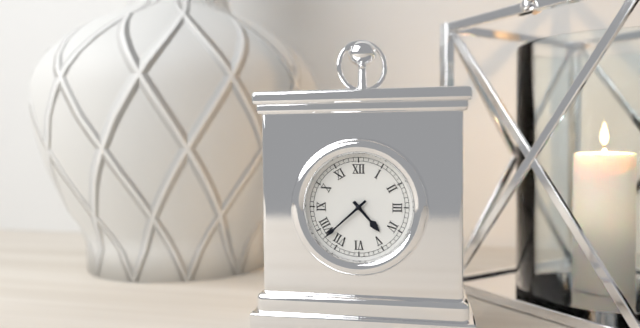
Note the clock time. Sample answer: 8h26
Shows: 4h38
